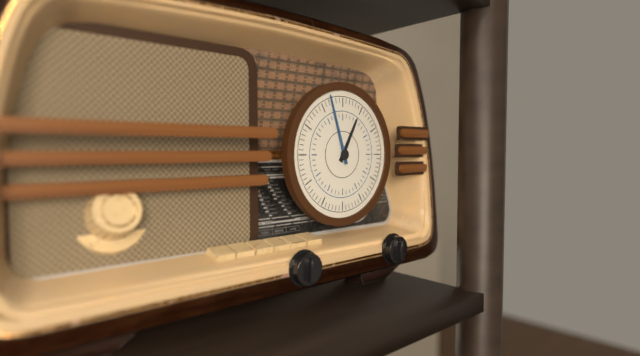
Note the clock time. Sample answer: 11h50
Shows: 12h57
